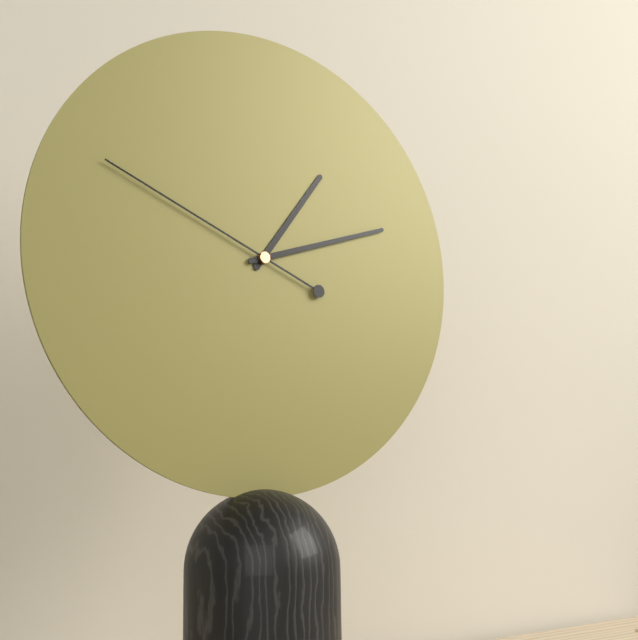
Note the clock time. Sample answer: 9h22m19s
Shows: 1h12m49s
